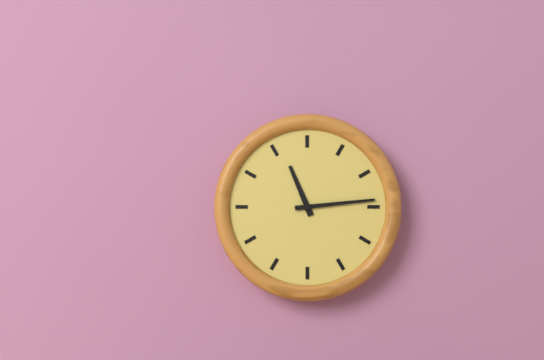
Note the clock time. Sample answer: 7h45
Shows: 11h14
